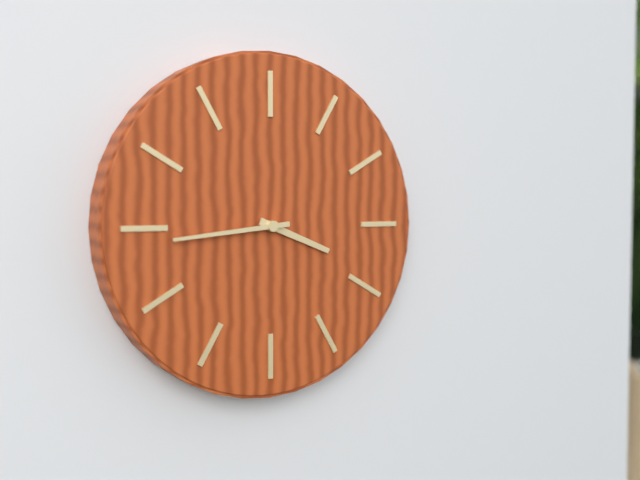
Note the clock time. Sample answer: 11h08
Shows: 3h44
